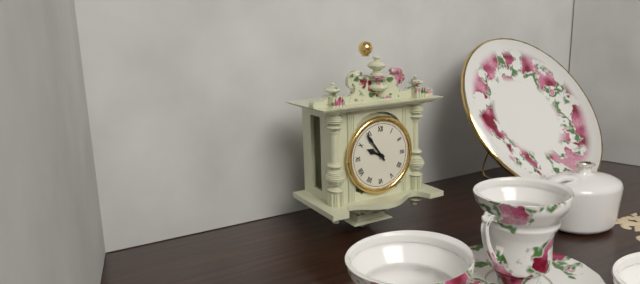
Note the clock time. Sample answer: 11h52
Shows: 9h54
